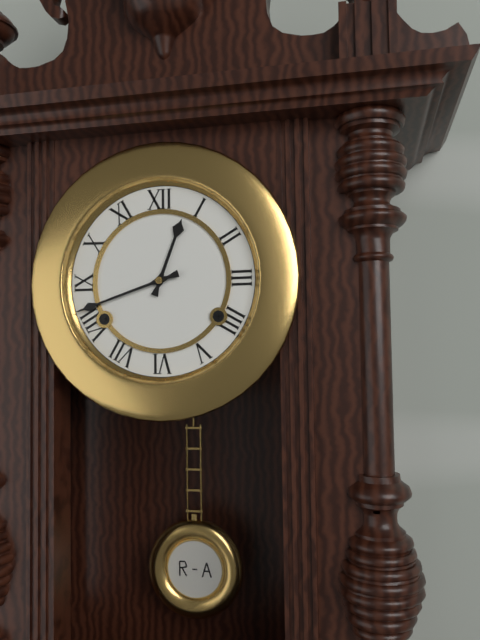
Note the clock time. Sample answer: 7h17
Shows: 12h42
